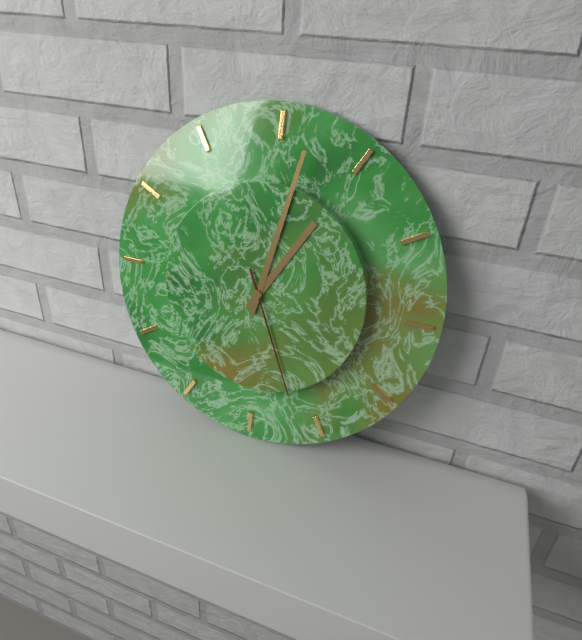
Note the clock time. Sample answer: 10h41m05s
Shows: 1h02m26s
